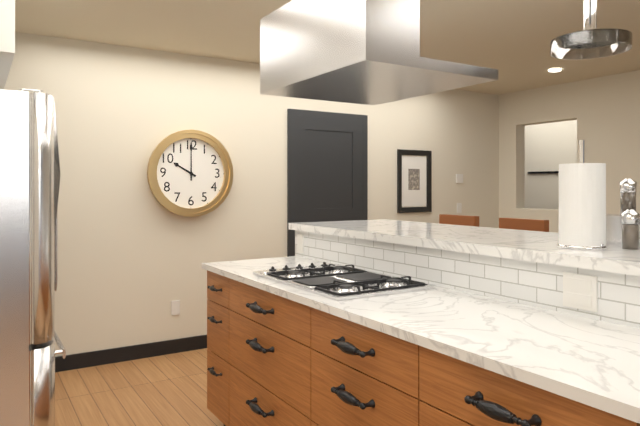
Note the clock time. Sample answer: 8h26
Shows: 10h00
